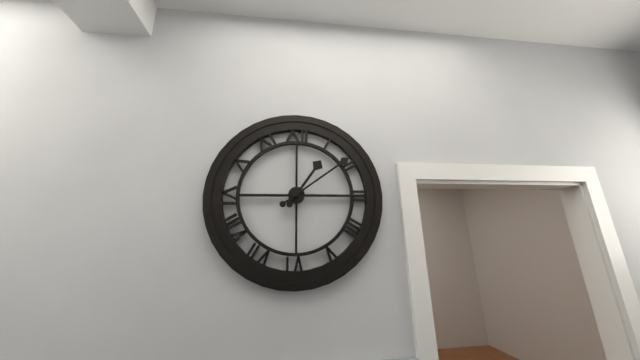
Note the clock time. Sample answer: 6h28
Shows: 1h09
